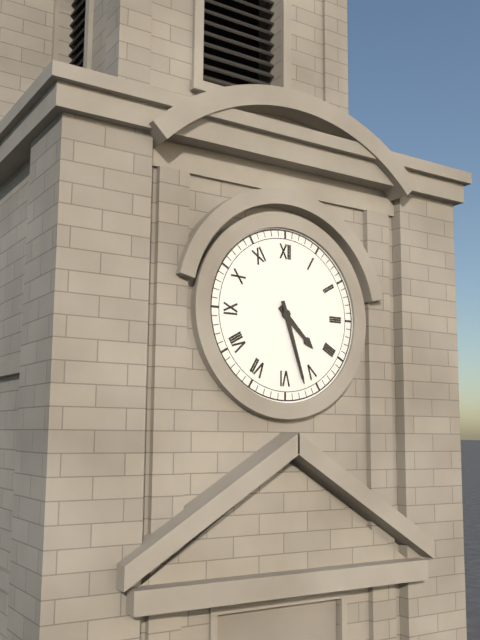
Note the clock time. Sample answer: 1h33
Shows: 4h27
